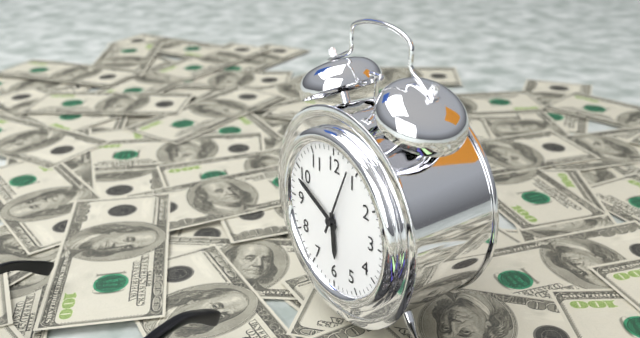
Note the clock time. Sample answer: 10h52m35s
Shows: 5h49m04s
